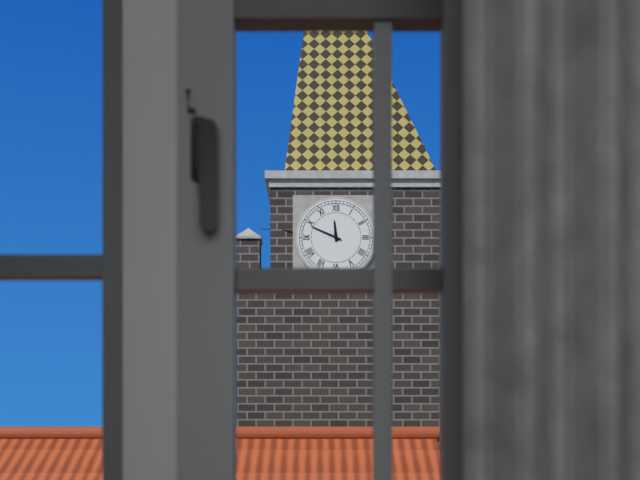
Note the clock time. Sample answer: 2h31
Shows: 11h49
